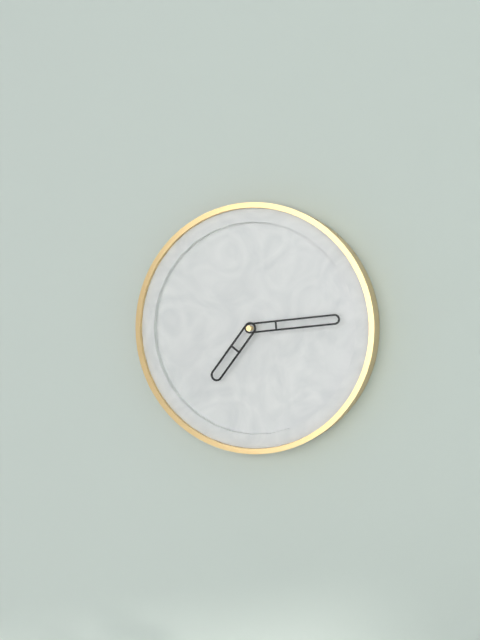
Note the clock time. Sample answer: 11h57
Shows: 7h14
